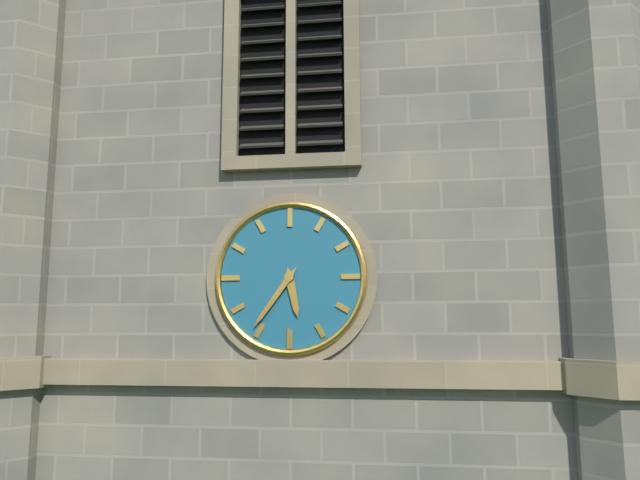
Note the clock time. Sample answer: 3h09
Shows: 5h36
